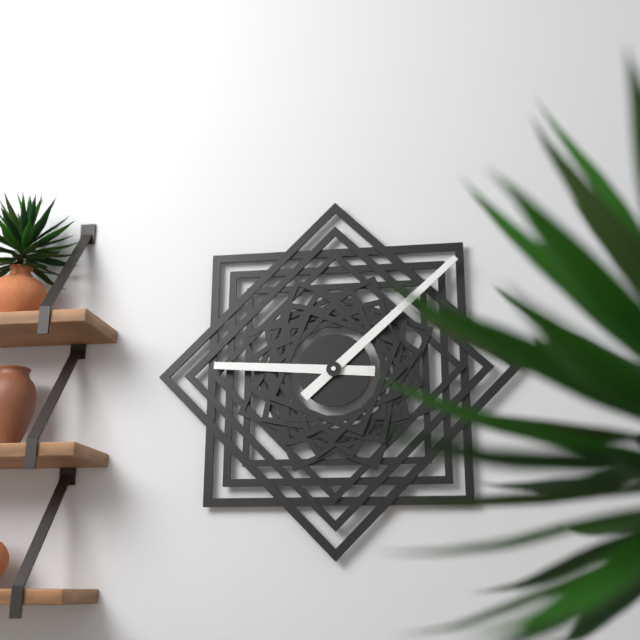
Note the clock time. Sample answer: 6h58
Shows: 9h08
